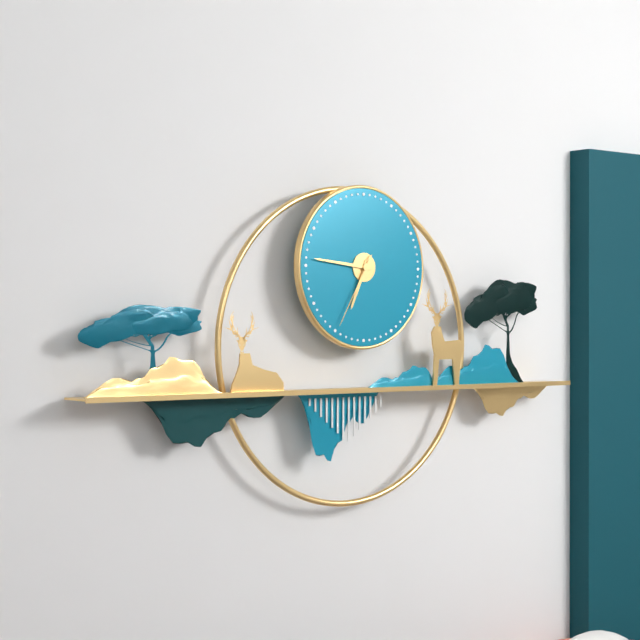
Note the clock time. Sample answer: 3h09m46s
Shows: 6h46m35s
